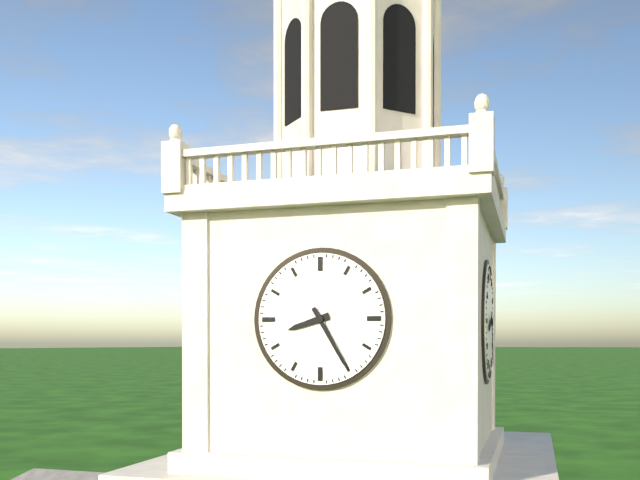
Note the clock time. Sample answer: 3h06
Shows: 8h25
